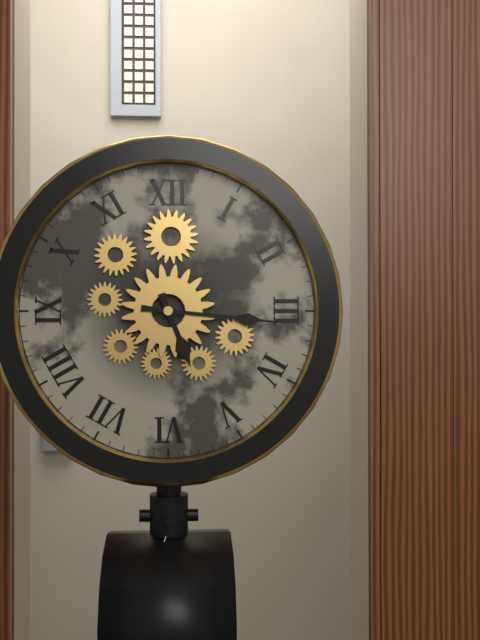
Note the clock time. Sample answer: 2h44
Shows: 5h16
